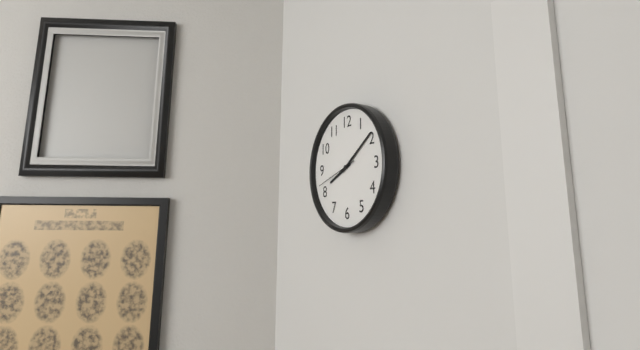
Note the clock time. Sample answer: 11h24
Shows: 8h09
